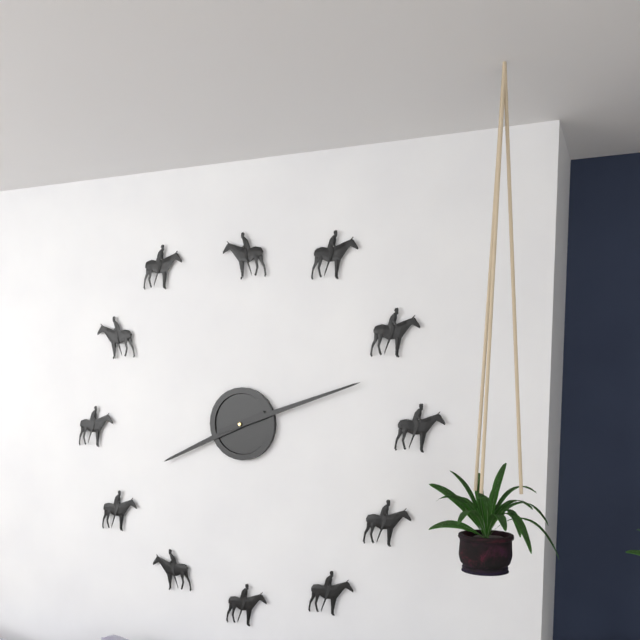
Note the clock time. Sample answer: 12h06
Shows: 8h12
